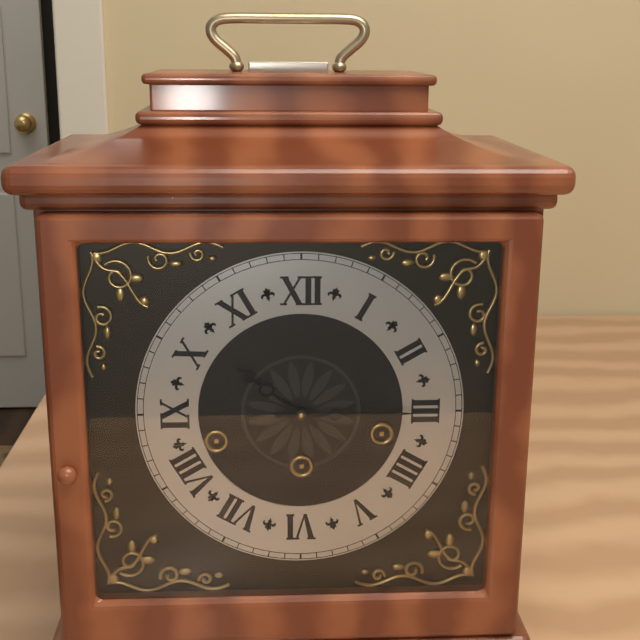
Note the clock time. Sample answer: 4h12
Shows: 10h15
